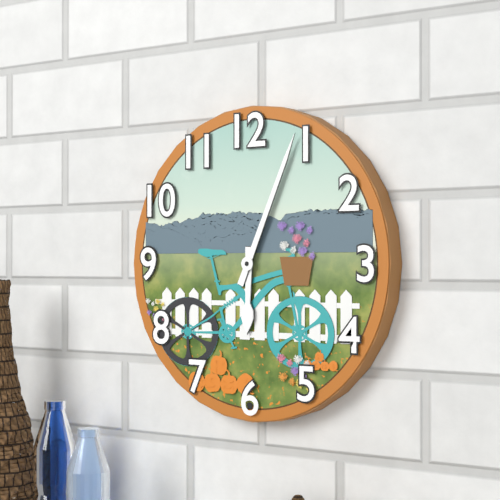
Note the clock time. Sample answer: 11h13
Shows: 6h04
